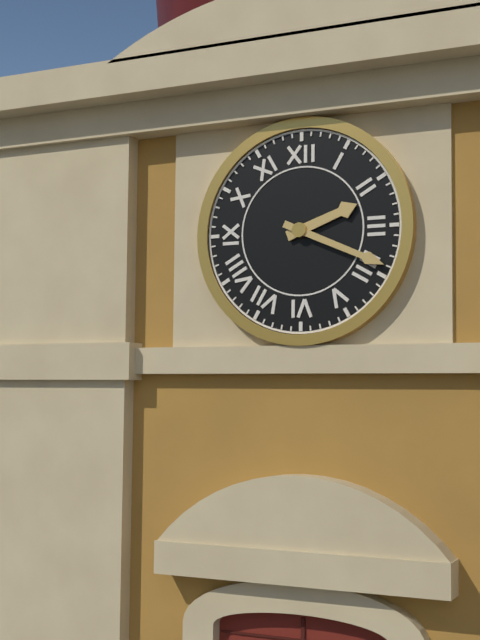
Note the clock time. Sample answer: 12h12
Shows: 2h19
